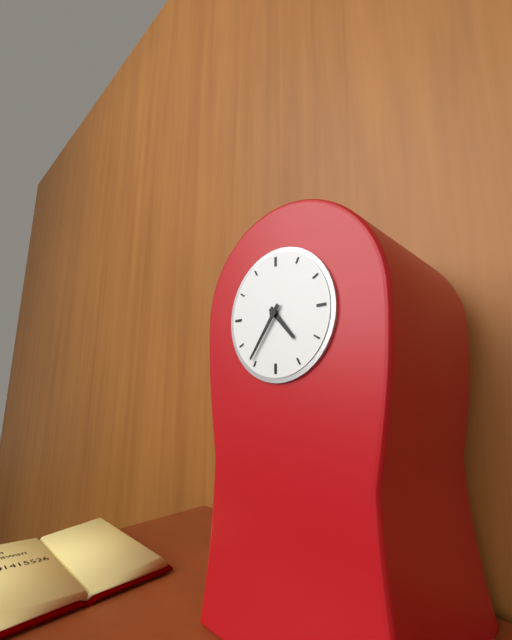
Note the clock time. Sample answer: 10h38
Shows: 4h36
